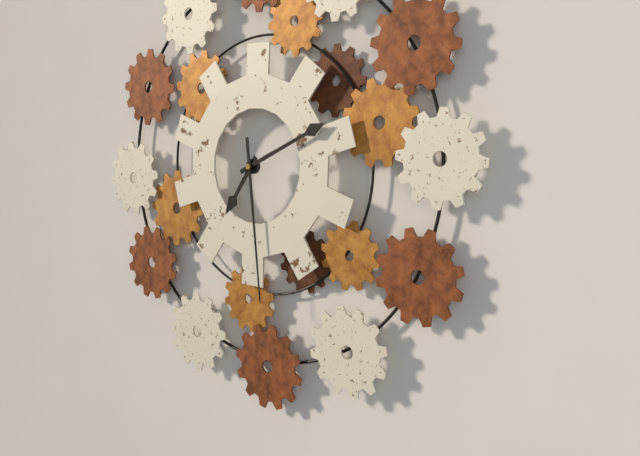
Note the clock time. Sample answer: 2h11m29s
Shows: 7h11m29s
